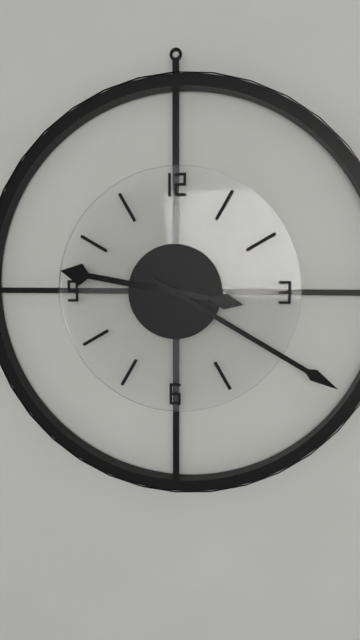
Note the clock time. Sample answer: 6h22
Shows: 9h20
